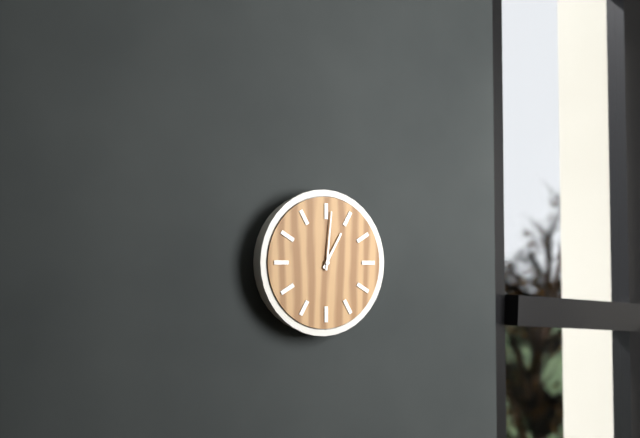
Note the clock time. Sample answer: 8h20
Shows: 1h01
